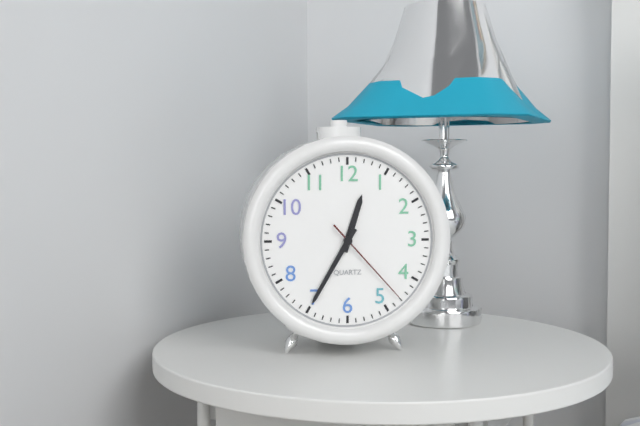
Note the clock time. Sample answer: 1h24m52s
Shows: 12h35m23s
